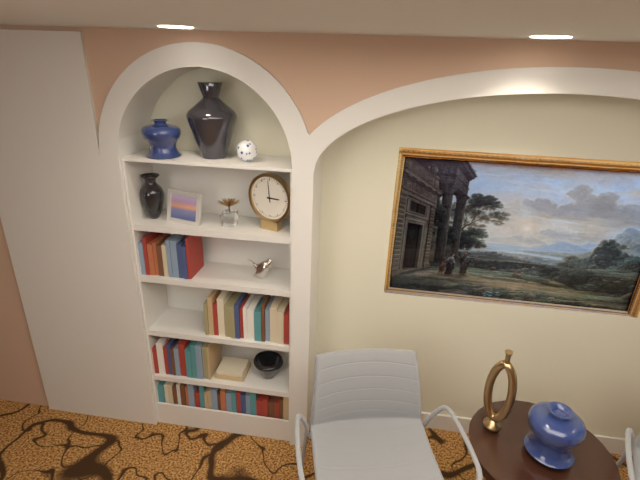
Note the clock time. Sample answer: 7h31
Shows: 2h59
